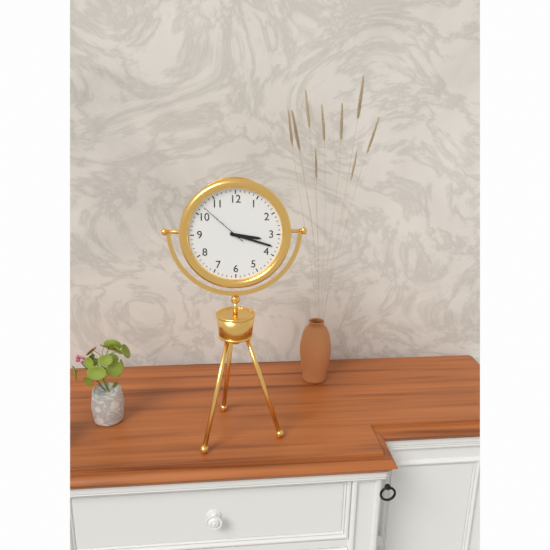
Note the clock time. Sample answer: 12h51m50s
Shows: 3h18m52s
